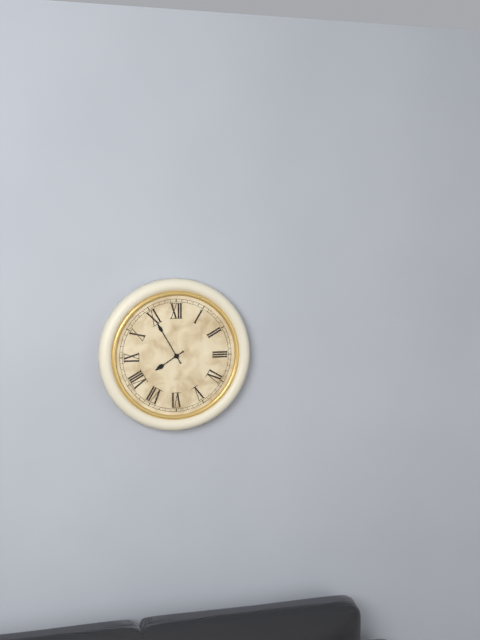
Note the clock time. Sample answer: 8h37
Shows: 7h55
